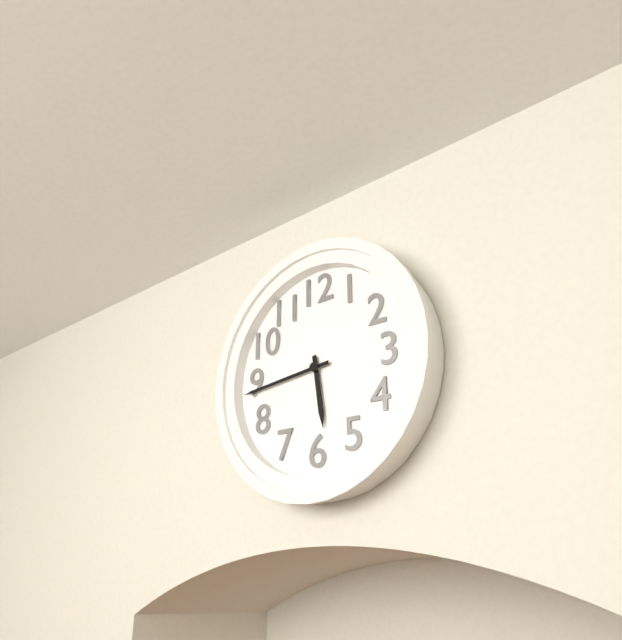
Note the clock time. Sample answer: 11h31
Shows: 5h44
